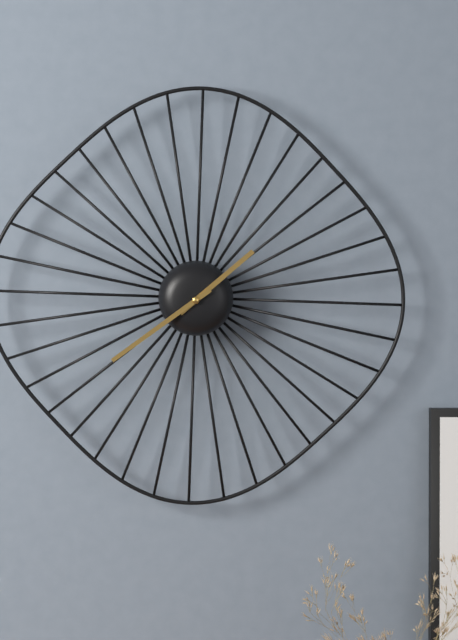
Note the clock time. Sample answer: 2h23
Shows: 1h39
